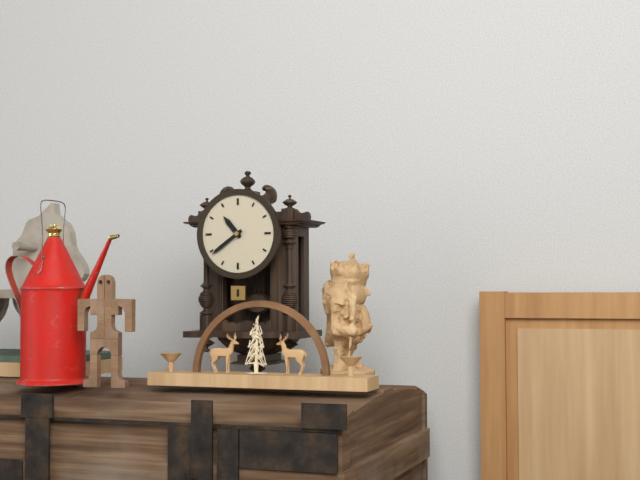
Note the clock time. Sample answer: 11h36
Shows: 10h39
